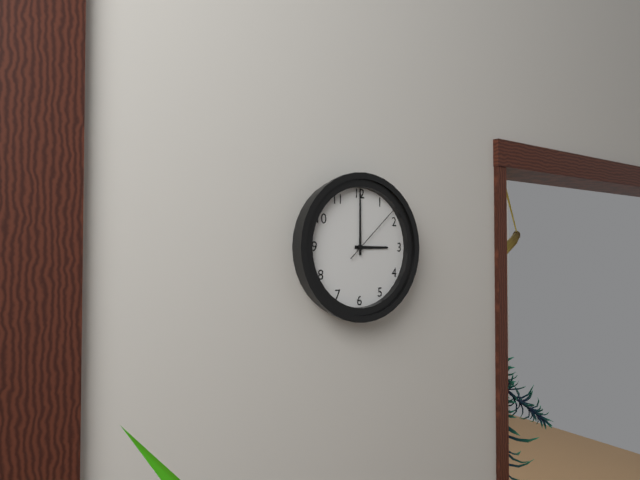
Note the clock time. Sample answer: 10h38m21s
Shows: 3h00m08s
